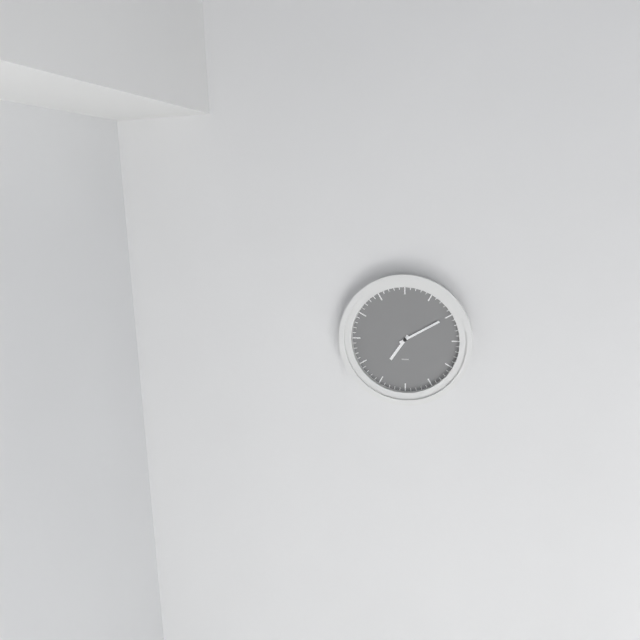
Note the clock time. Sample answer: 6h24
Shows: 7h10
